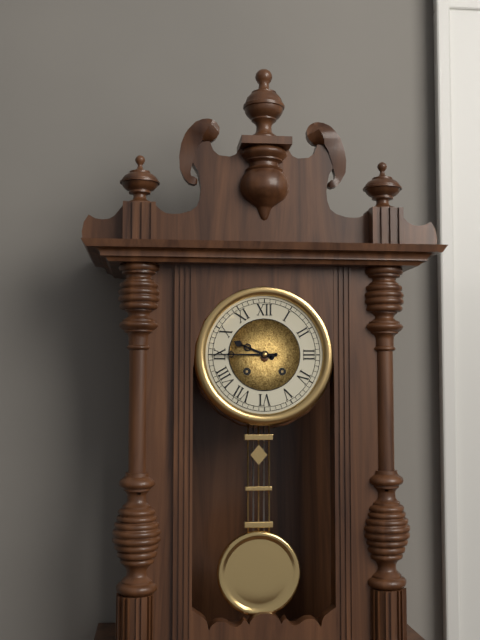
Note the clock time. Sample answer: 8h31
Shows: 9h45
